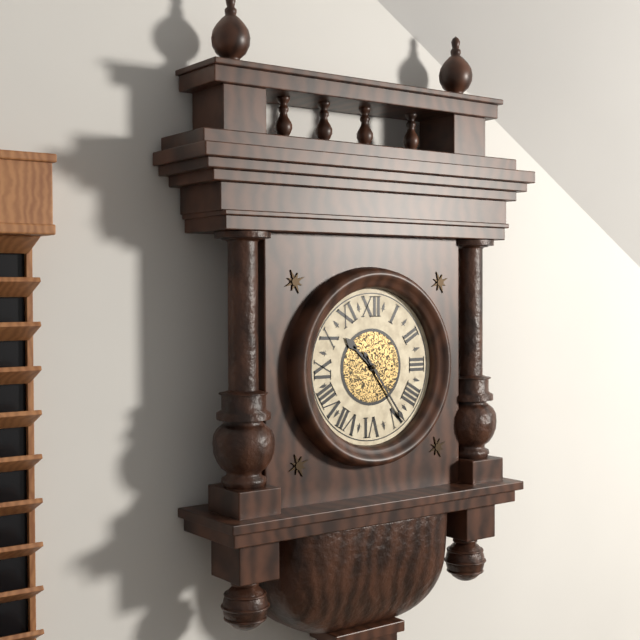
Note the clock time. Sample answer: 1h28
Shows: 10h24
